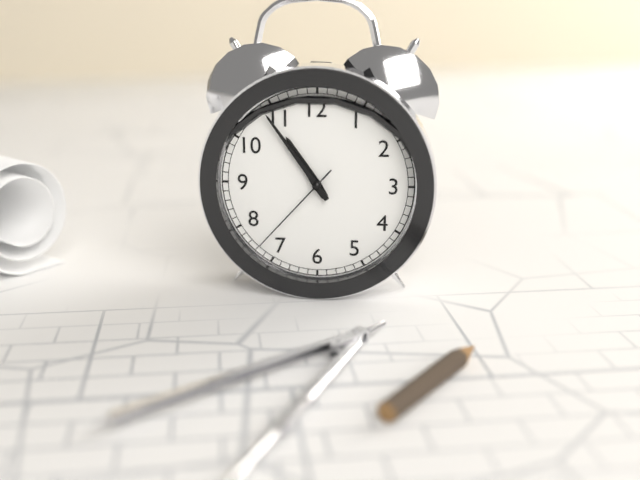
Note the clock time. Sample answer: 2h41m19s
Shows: 10h54m37s
